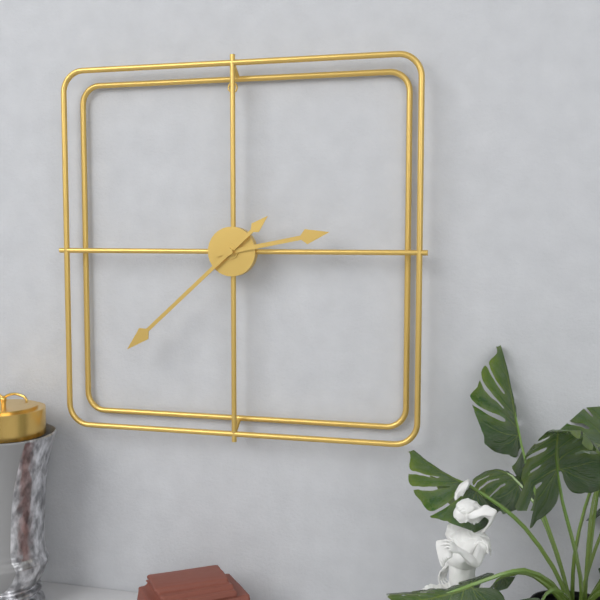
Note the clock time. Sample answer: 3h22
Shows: 2h38
